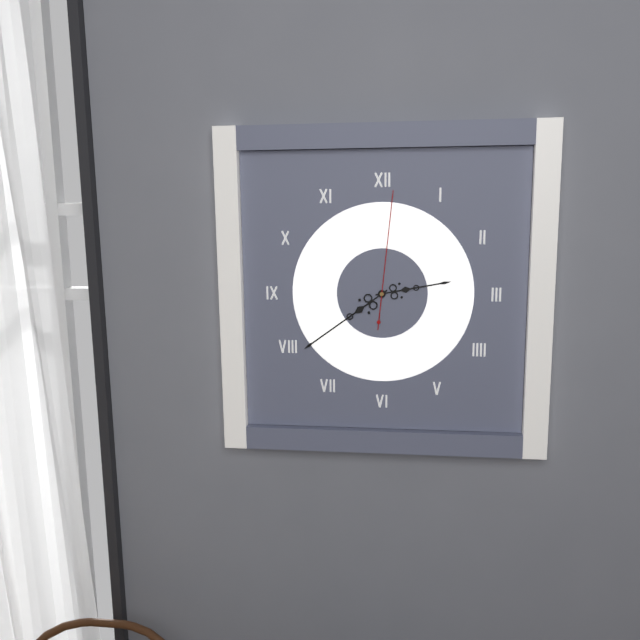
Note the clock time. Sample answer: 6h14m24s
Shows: 2h39m01s
